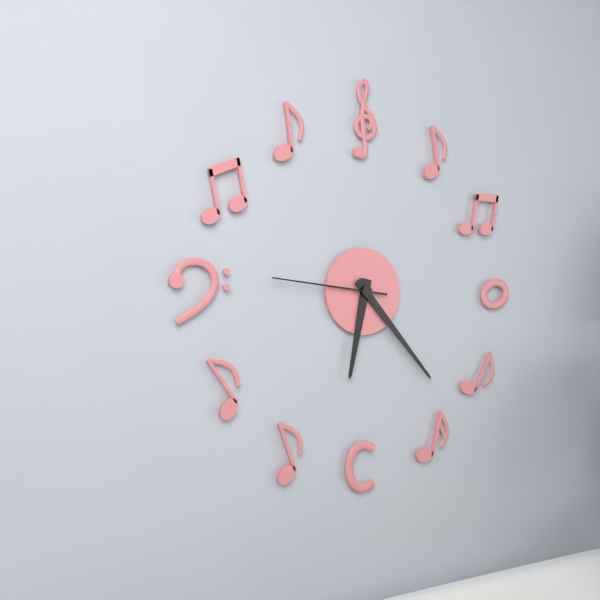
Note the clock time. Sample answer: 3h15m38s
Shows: 6h23m46s
